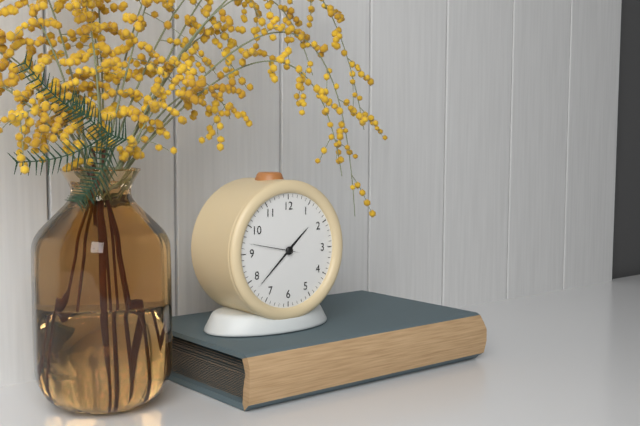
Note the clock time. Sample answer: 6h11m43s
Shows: 1h38m47s
